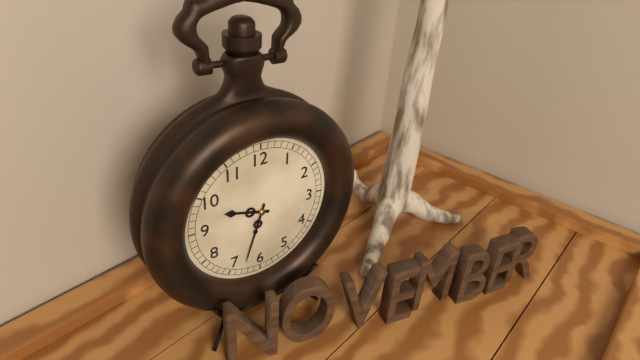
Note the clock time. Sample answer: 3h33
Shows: 9h33
